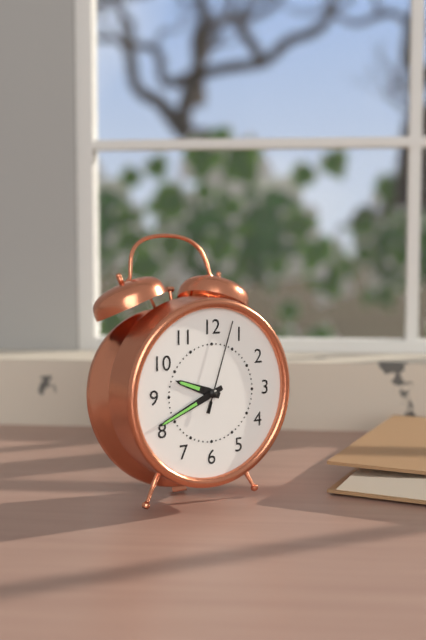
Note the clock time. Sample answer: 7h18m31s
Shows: 9h41m03s
